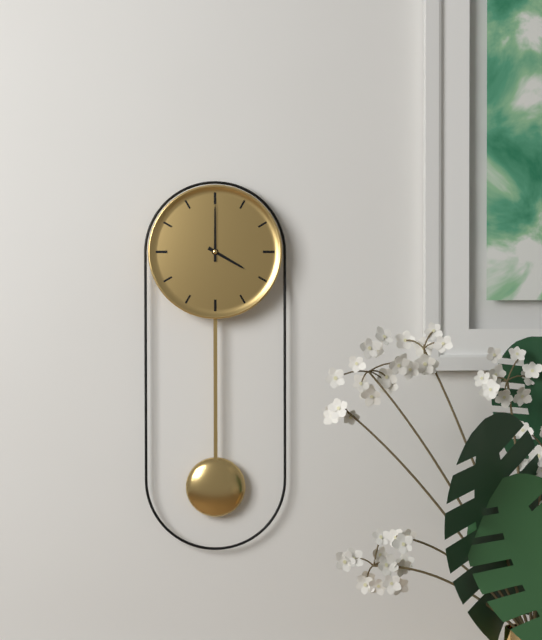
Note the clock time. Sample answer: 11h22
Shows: 4h00
